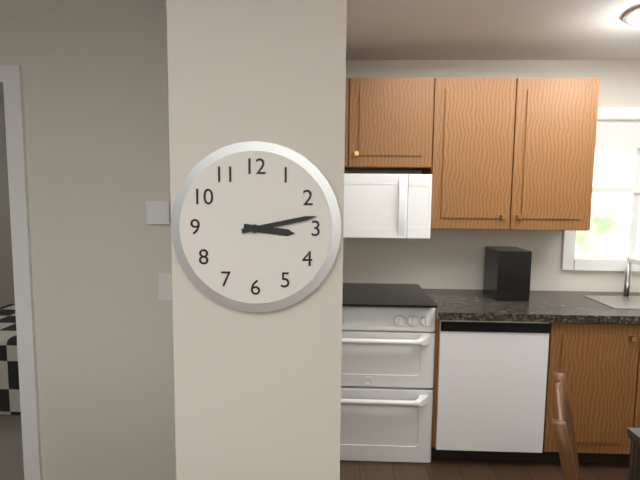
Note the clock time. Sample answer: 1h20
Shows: 3h13
